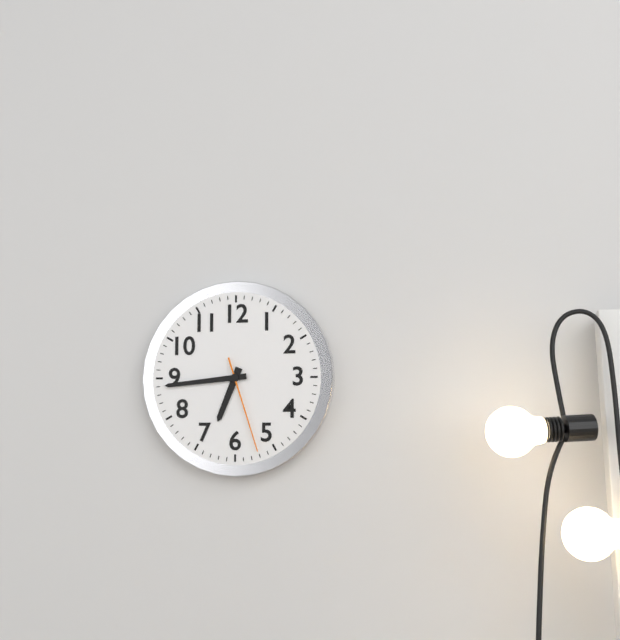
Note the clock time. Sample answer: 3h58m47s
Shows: 6h44m27s
